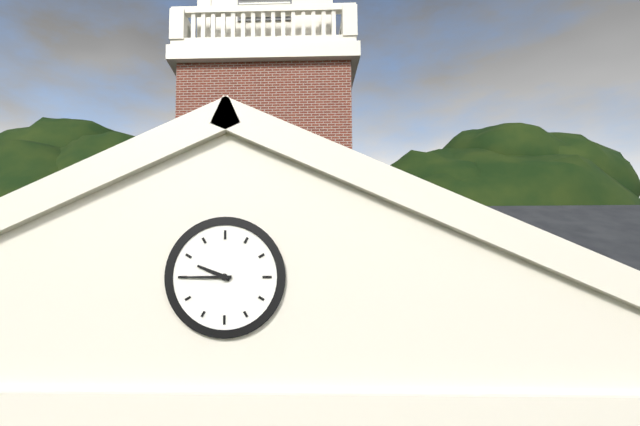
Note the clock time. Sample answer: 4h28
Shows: 9h45
